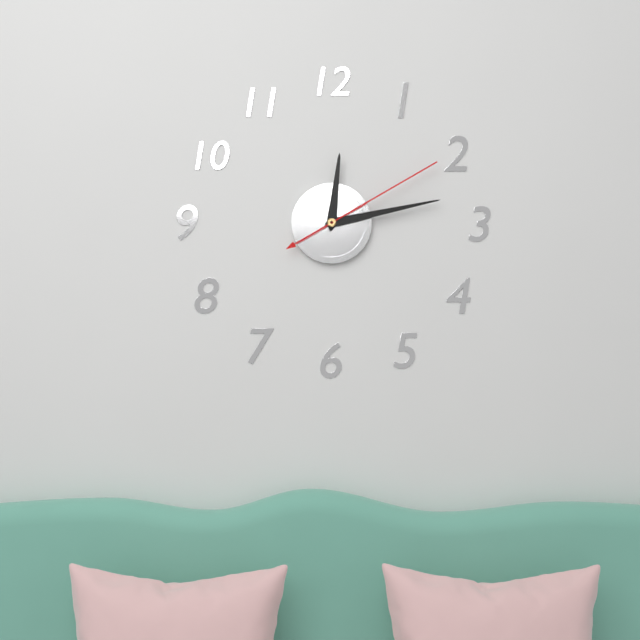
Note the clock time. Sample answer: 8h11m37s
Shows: 12h13m10s
